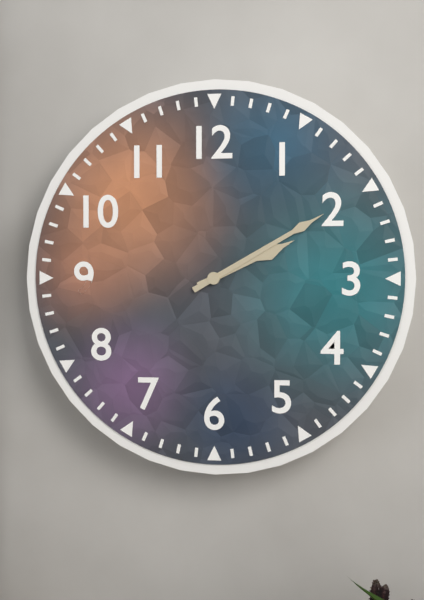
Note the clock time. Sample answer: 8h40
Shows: 2h10
